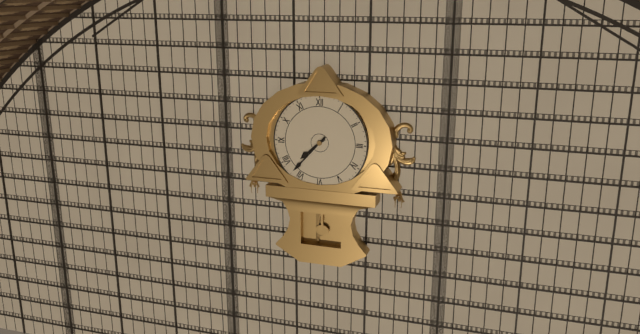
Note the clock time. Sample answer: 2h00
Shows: 7h37
